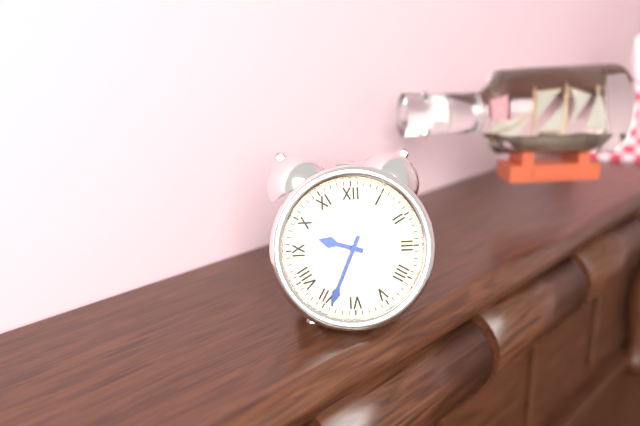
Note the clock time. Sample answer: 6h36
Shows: 9h34
